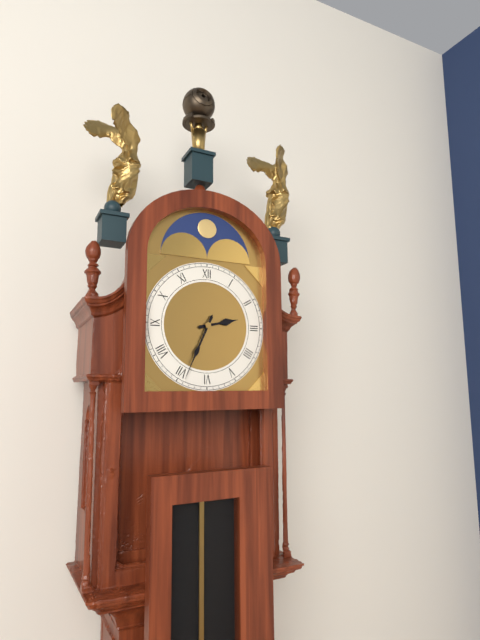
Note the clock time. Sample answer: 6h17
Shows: 2h34
